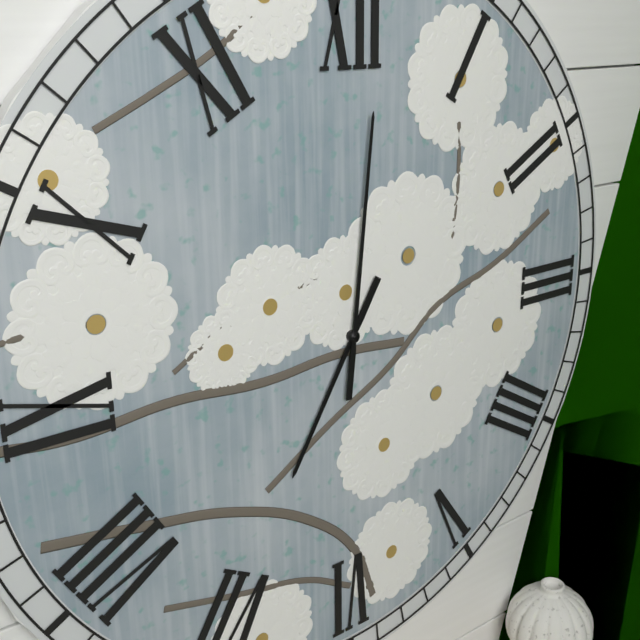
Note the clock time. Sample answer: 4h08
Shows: 7h01
